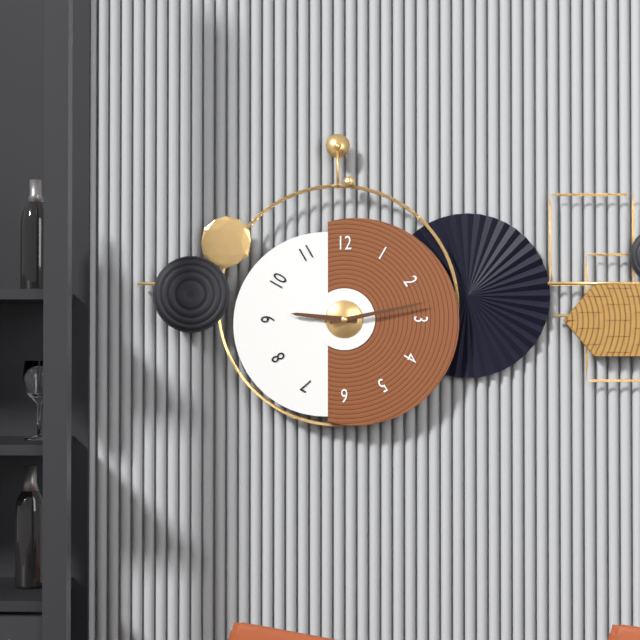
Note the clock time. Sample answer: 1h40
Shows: 9h13
